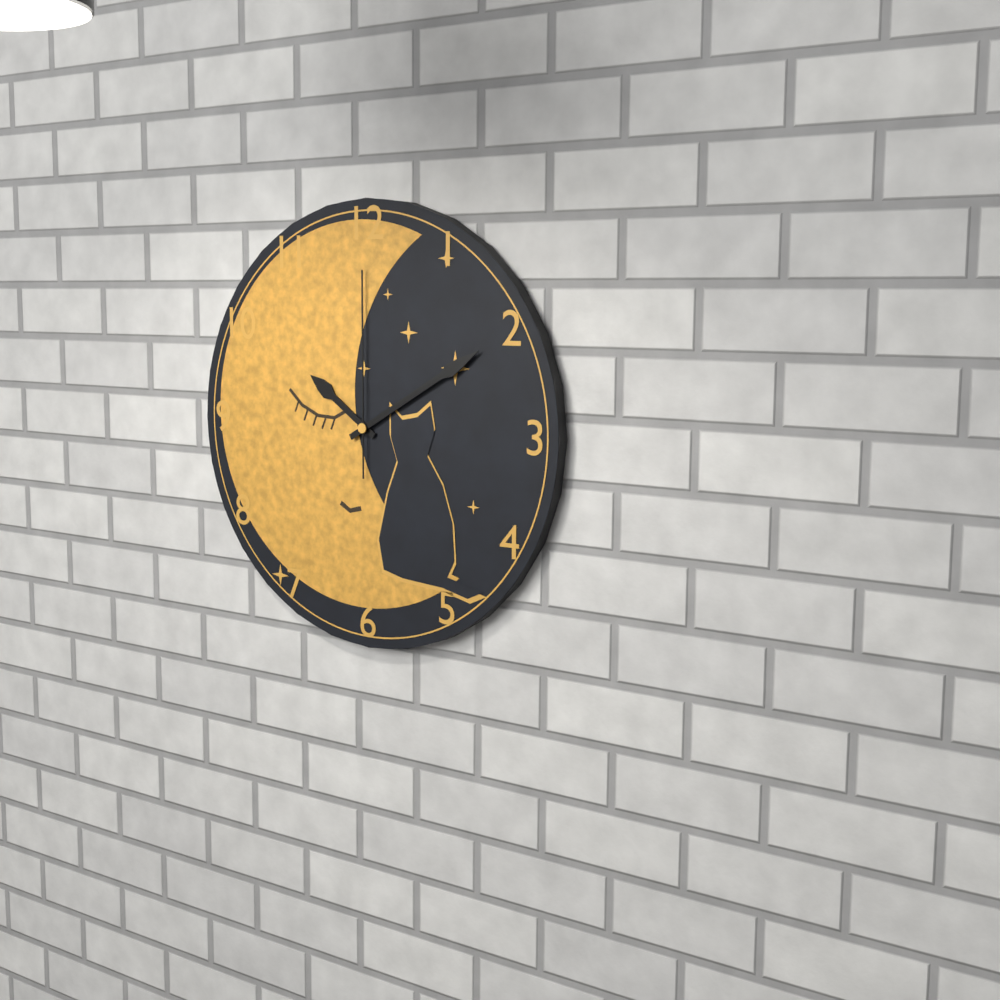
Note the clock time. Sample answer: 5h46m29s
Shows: 10h10m00s
